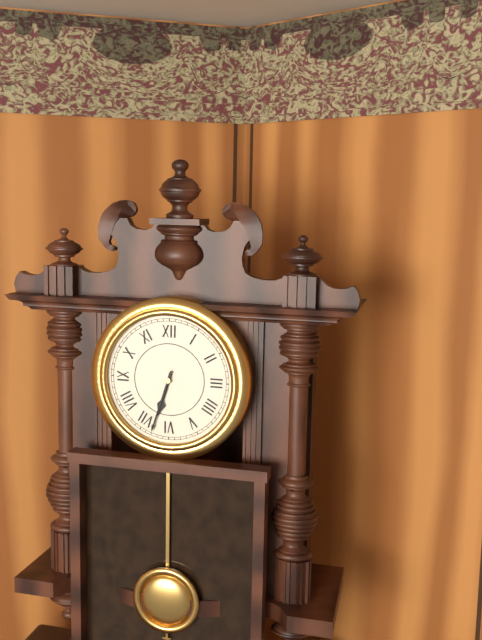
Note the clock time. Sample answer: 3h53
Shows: 6h33
